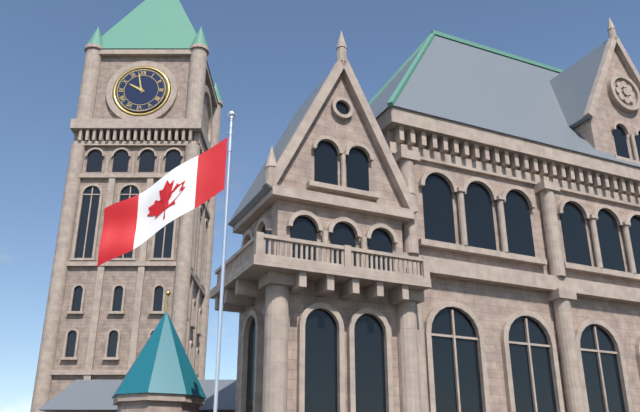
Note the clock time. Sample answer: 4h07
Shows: 9h58
